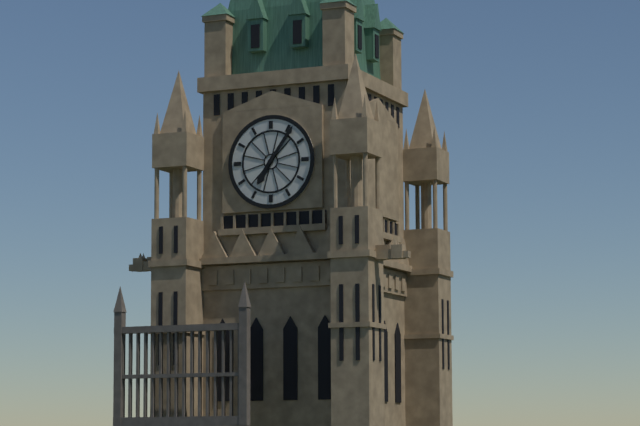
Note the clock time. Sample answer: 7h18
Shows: 7h06
